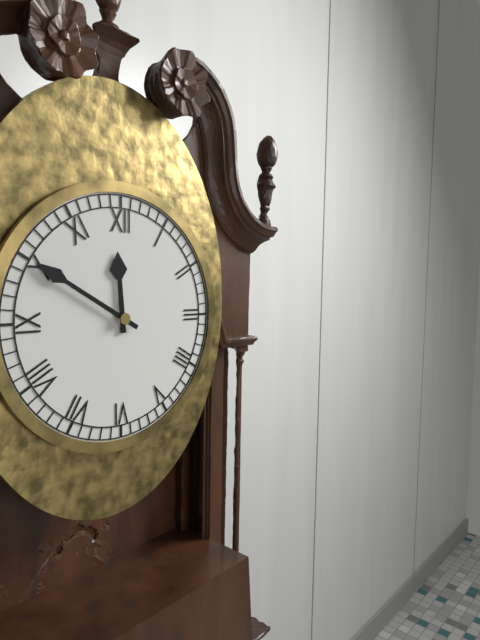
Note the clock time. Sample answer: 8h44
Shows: 11h50
